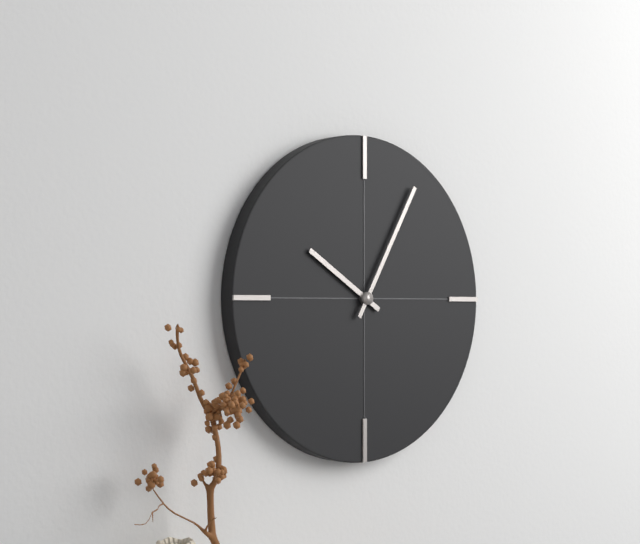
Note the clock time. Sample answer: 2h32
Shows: 10h05
